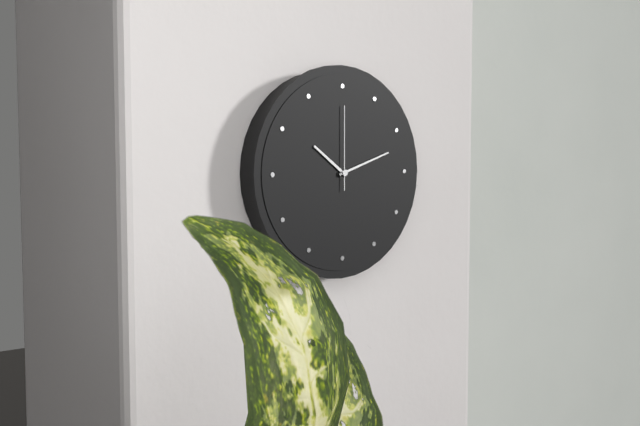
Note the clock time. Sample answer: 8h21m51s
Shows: 10h12m00s
